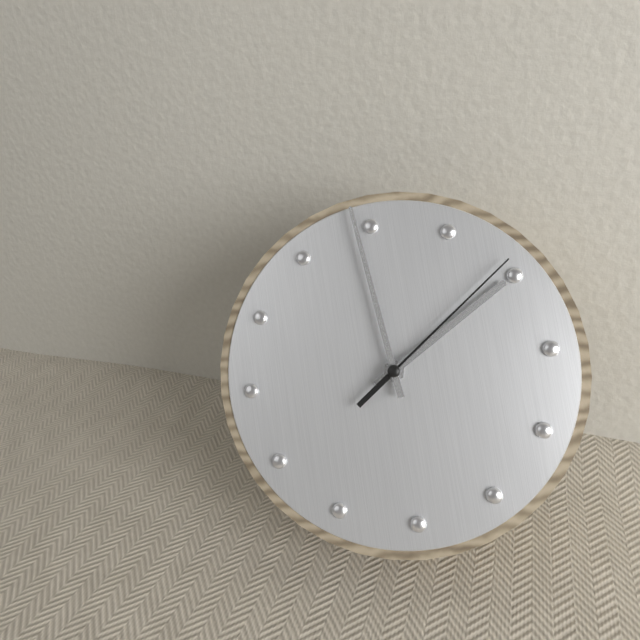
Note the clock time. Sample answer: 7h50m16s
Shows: 1h59m09s
